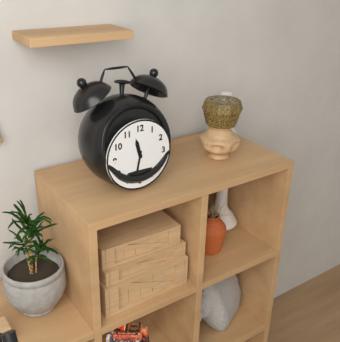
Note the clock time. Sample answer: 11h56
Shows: 11h32
